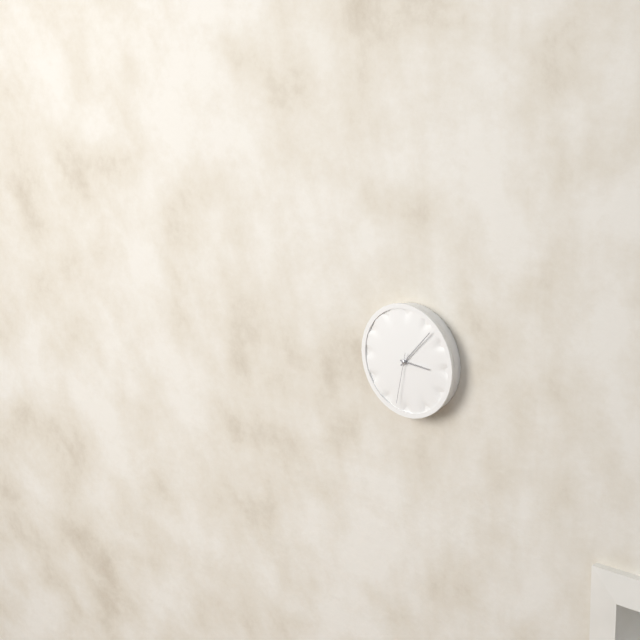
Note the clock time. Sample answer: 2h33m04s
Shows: 3h07m32s
